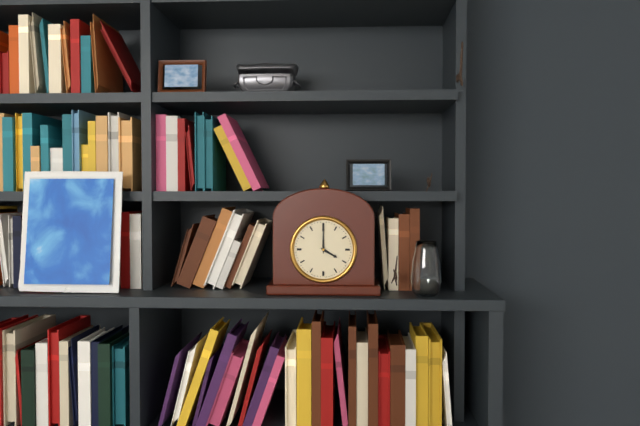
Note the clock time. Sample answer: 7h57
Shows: 4h00
